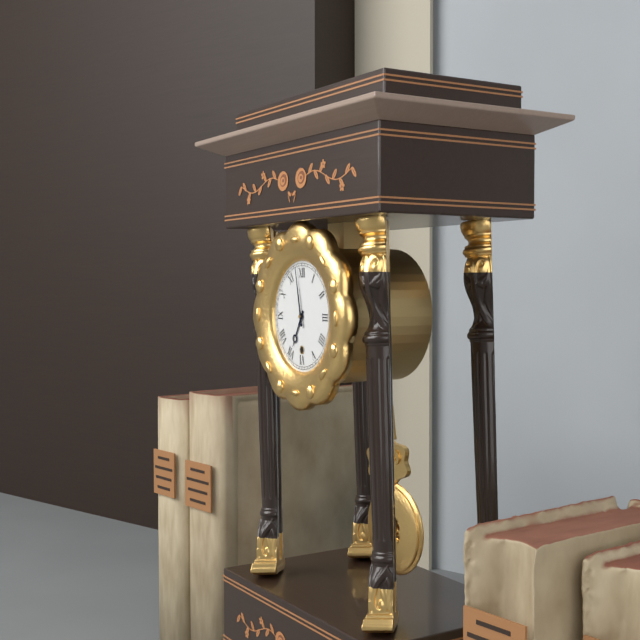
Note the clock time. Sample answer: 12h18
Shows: 6h58
